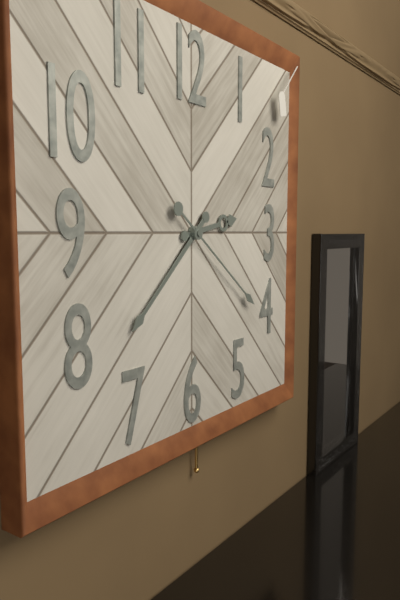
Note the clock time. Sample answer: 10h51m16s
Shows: 2h38m21s
